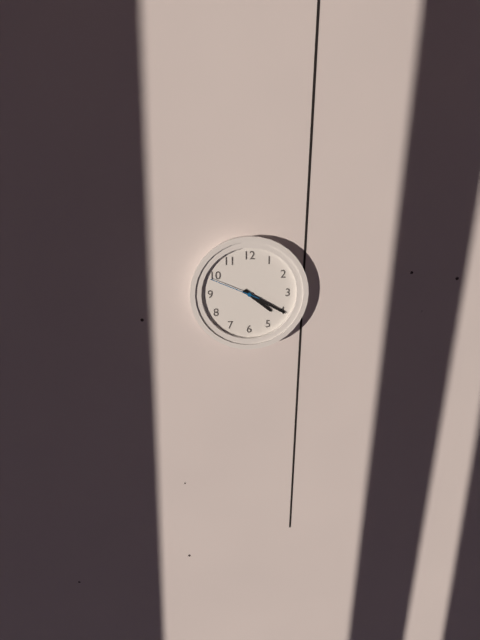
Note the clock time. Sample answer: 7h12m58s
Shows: 4h20m49s
